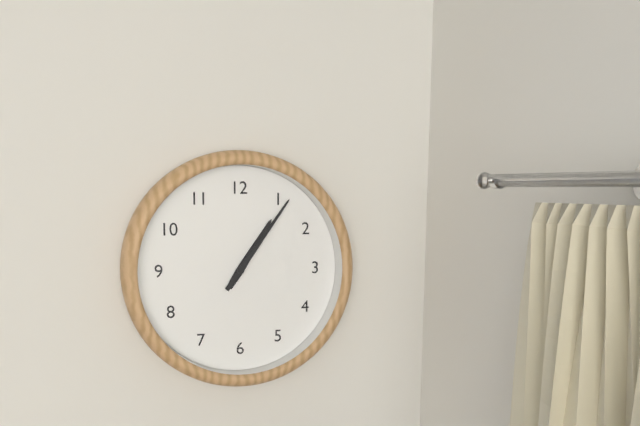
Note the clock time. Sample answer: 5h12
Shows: 1h06
